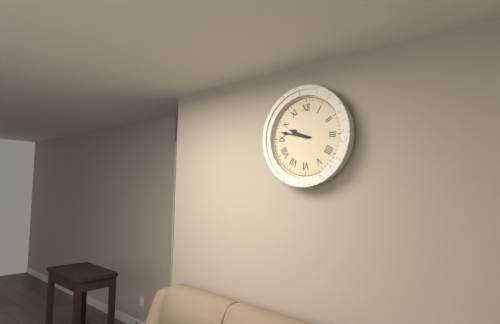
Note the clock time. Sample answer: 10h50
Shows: 9h47
